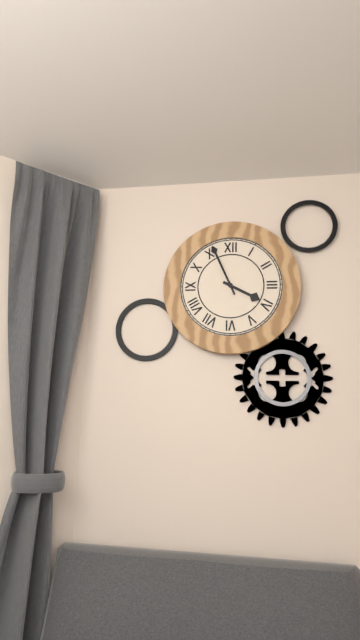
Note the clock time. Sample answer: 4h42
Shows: 3h56
